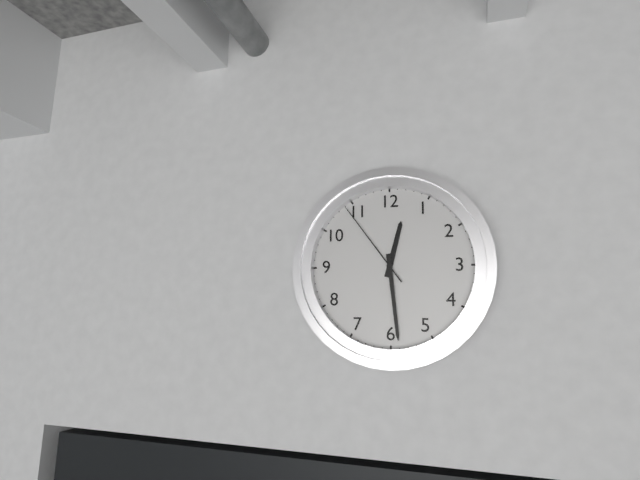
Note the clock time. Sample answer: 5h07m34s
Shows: 12h29m54s
